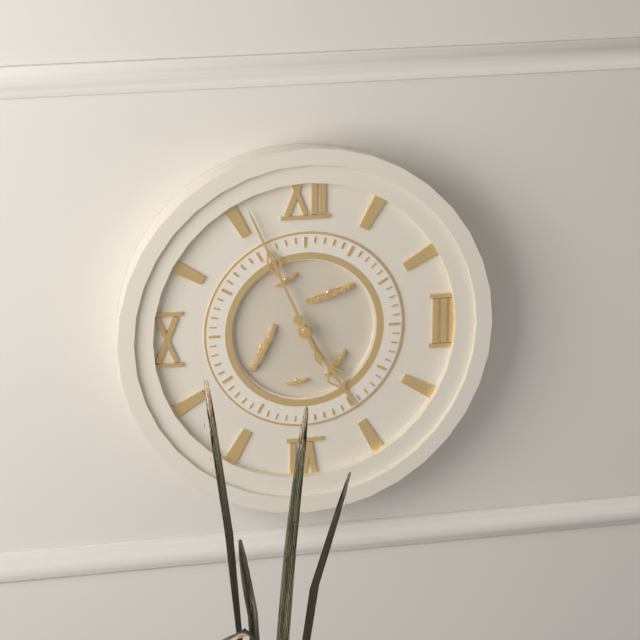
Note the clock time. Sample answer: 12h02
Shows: 4h56
